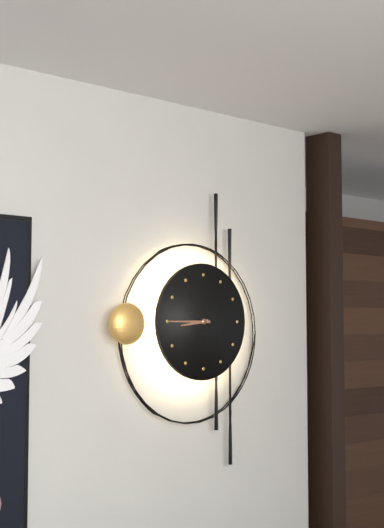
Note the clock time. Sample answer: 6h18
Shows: 8h45
